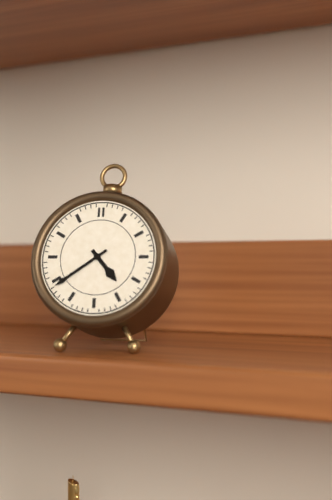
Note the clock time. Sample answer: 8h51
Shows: 4h39
